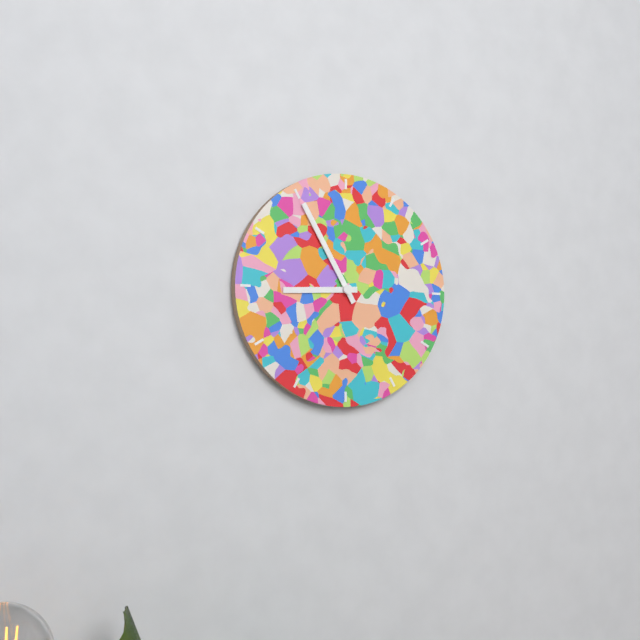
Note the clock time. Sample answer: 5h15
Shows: 8h55
